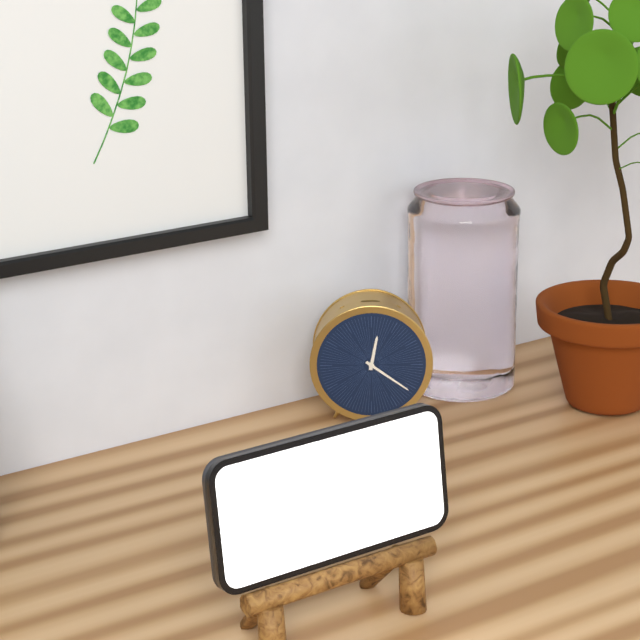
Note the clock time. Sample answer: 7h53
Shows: 12h21
